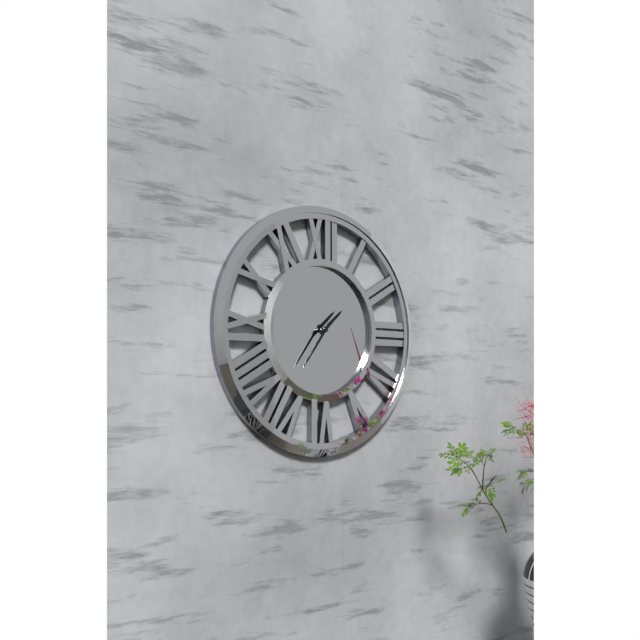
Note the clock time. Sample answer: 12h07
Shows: 1h36
